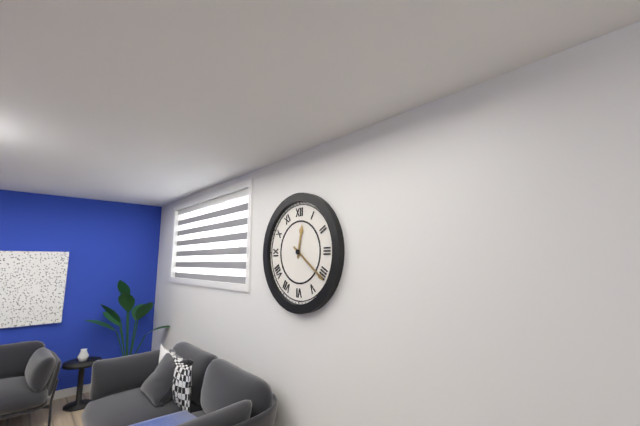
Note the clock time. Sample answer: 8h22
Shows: 12h21
